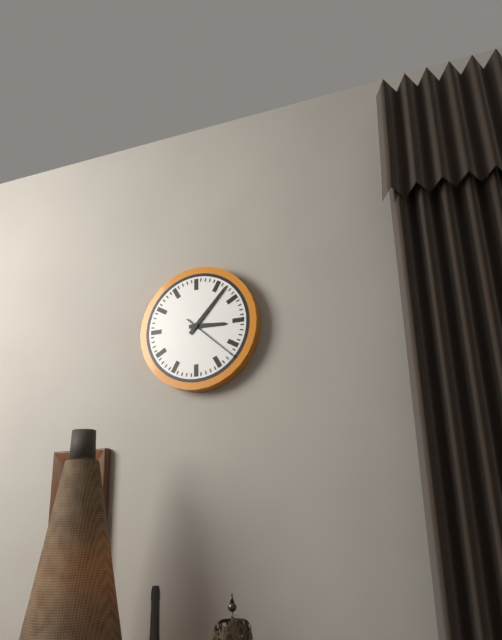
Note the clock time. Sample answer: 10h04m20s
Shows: 3h07m22s
